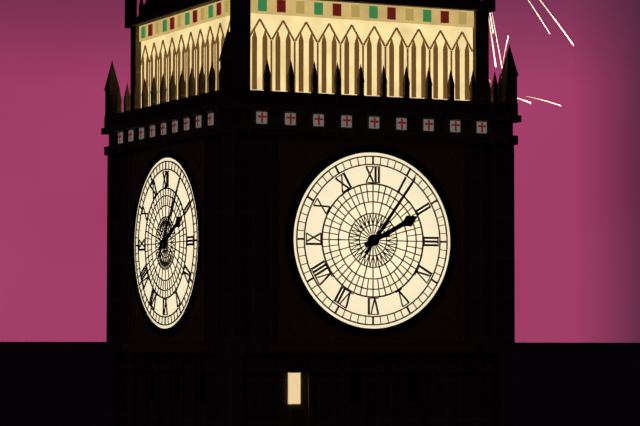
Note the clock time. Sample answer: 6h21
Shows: 2h06
